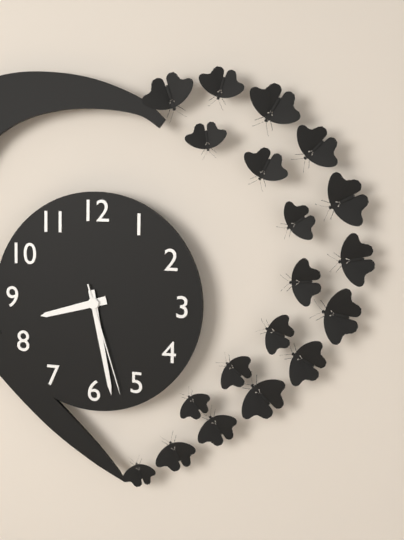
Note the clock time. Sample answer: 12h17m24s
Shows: 8h28m27s
